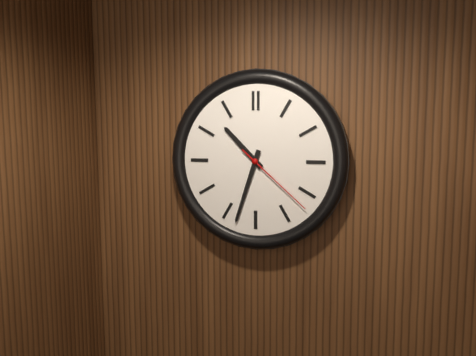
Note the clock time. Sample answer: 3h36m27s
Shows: 10h33m22s
